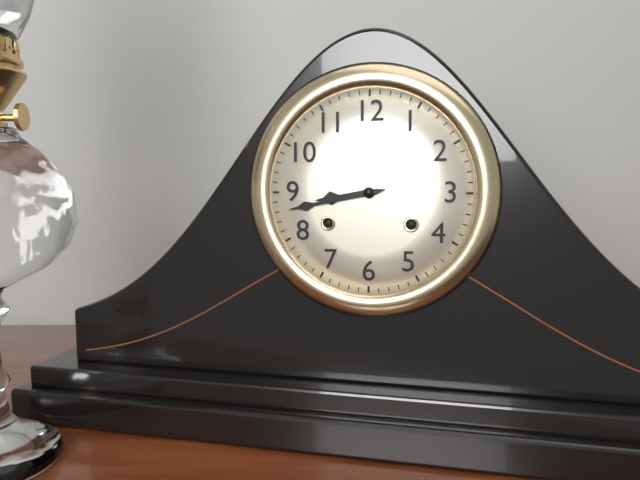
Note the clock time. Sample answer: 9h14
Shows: 8h43
